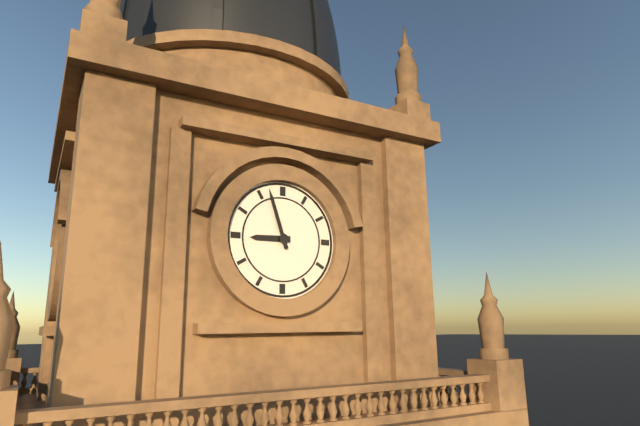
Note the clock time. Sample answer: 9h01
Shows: 8h57
